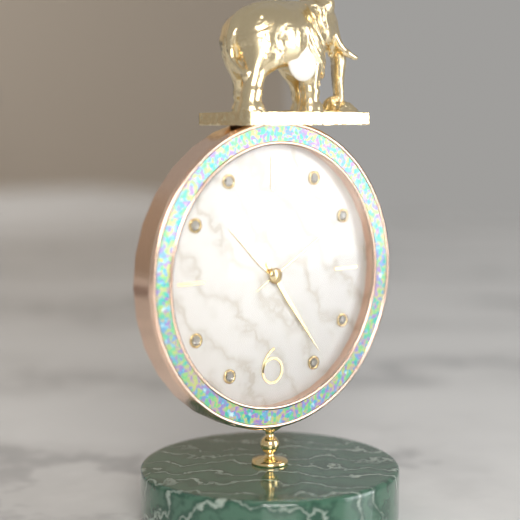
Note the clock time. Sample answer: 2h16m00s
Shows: 10h24m10s
